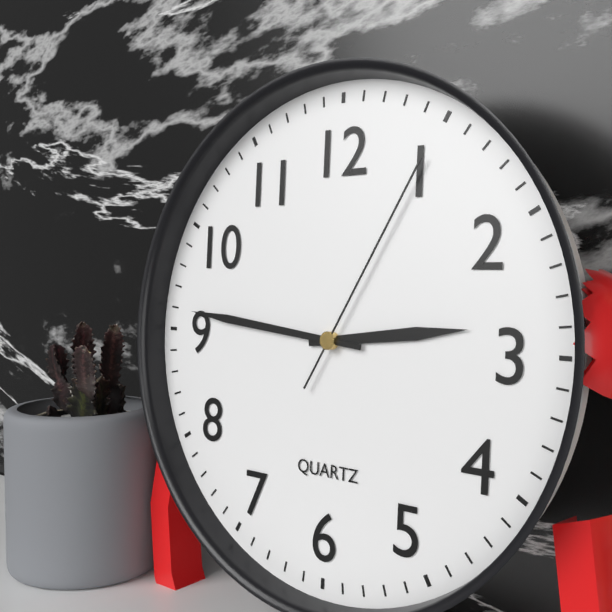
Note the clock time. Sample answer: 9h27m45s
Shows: 2h46m05s
